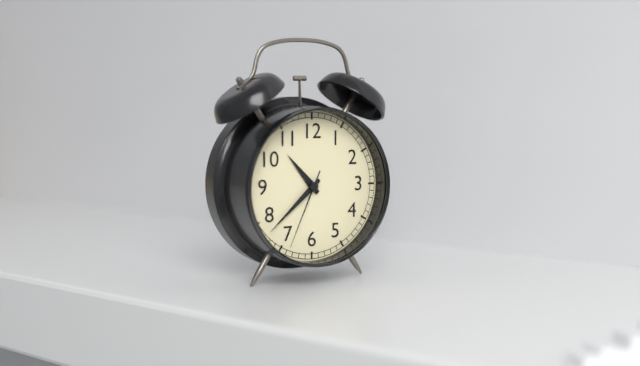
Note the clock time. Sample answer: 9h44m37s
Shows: 10h38m34s
